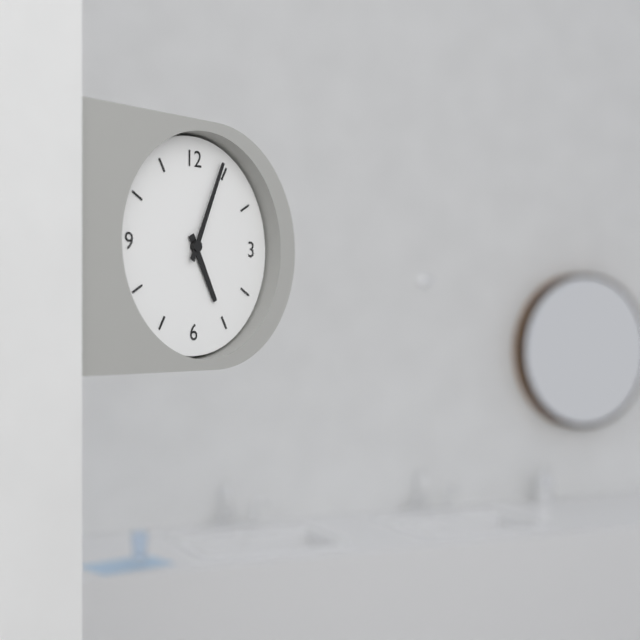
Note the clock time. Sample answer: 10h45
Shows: 5h04
